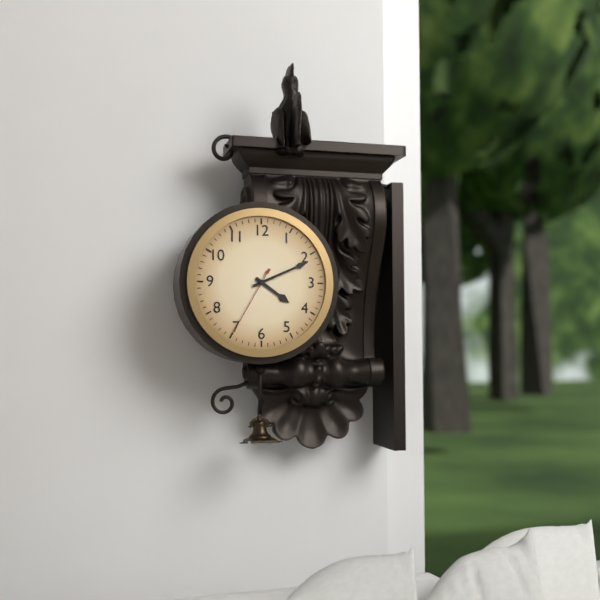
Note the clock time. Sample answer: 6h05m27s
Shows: 4h11m35s
